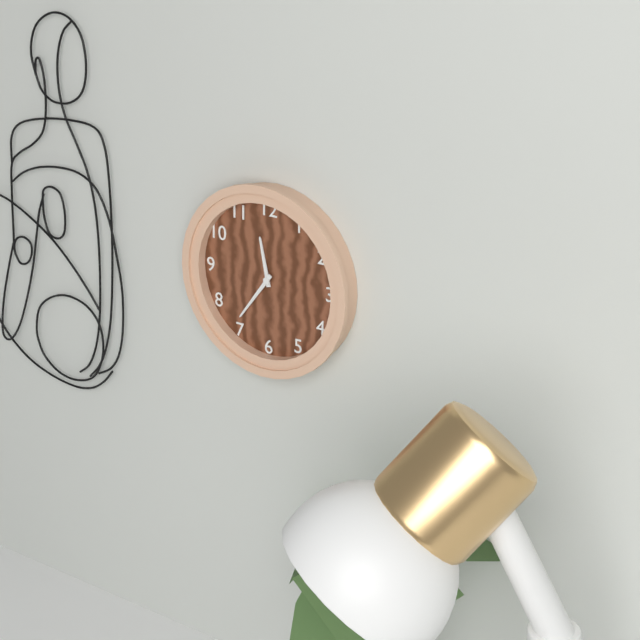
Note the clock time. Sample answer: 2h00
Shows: 11h36
